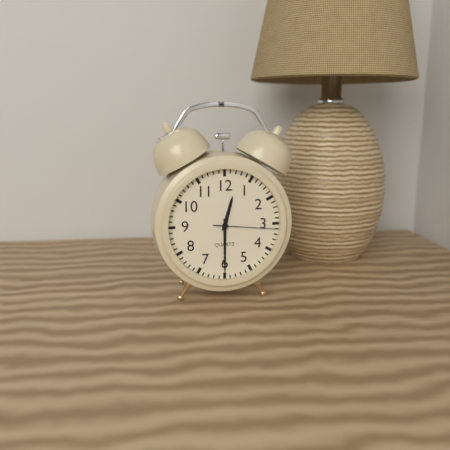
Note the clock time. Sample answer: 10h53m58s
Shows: 12h30m16s
